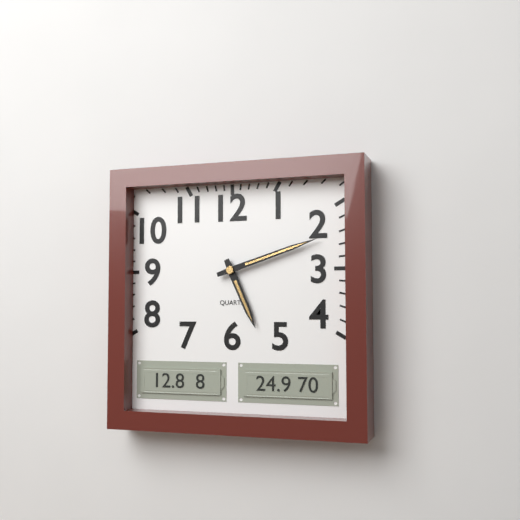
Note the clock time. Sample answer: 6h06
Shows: 5h12
